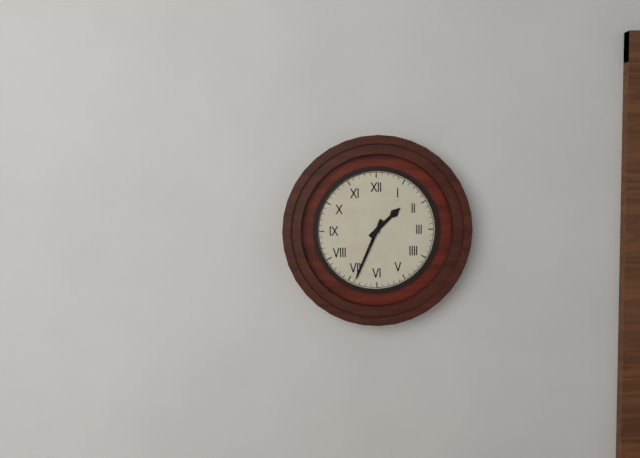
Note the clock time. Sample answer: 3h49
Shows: 1h34
